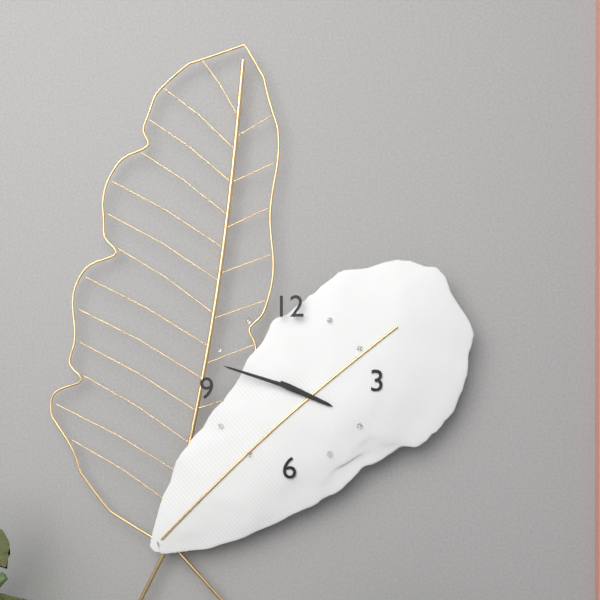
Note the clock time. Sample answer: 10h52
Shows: 3h48
